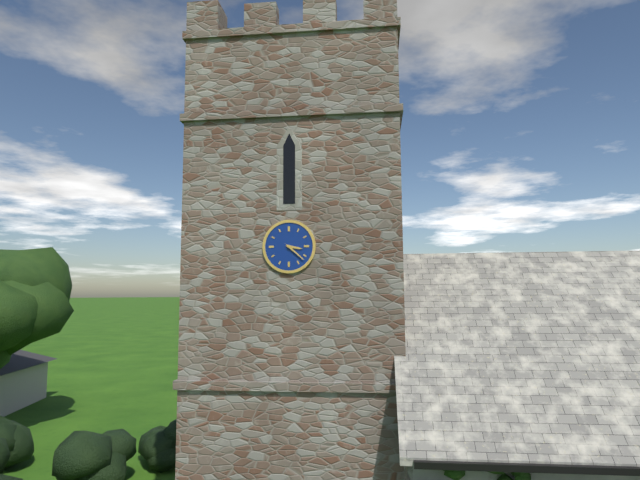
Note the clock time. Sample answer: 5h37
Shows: 3h22
